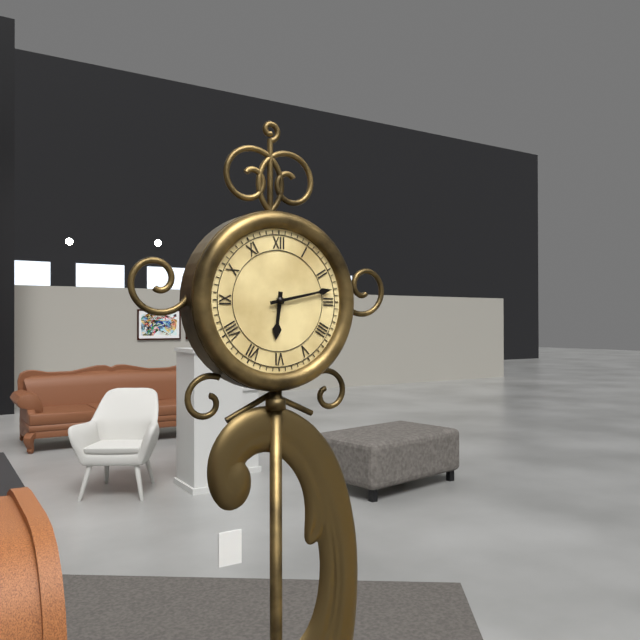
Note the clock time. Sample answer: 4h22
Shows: 6h13
